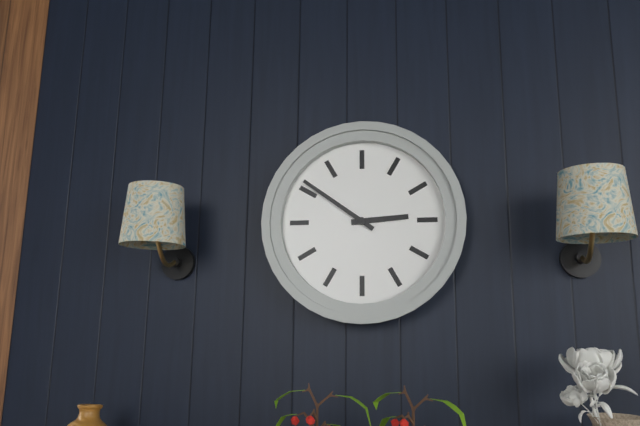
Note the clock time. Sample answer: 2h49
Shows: 2h51
